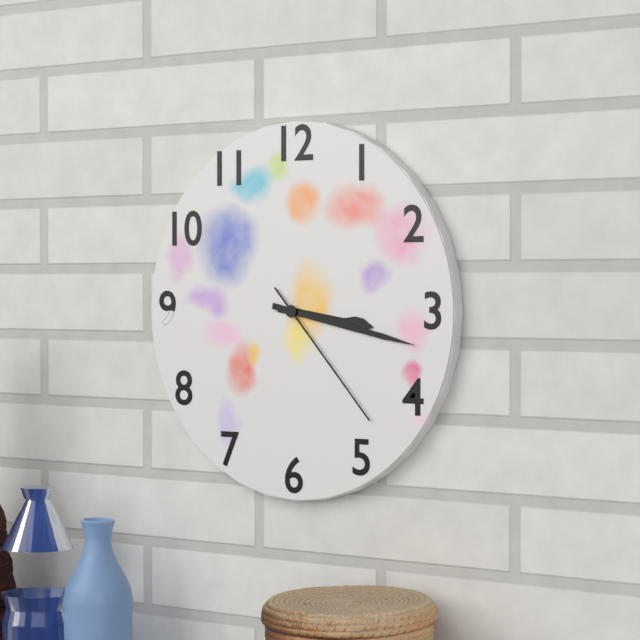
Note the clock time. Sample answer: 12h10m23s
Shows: 3h17m23s
